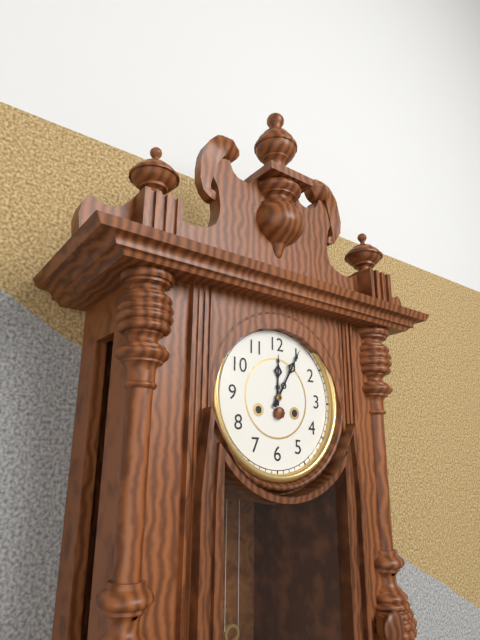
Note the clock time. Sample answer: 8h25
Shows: 12h05
